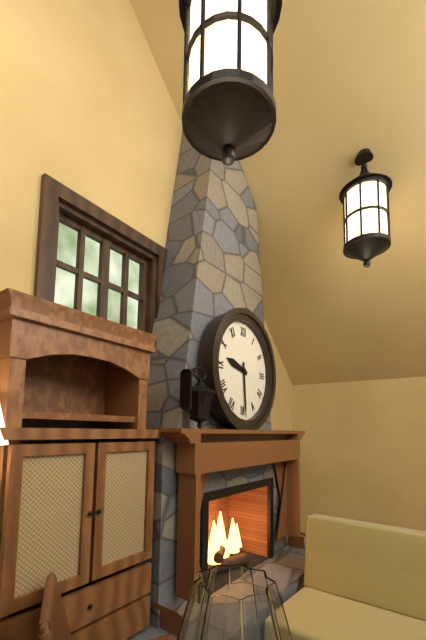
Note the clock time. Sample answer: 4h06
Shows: 9h29
